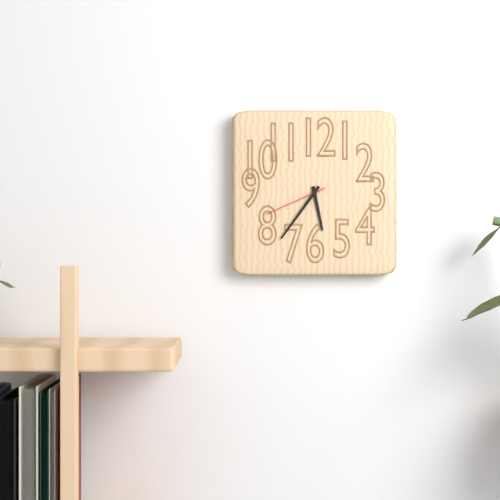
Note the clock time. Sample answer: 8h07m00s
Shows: 5h36m41s
